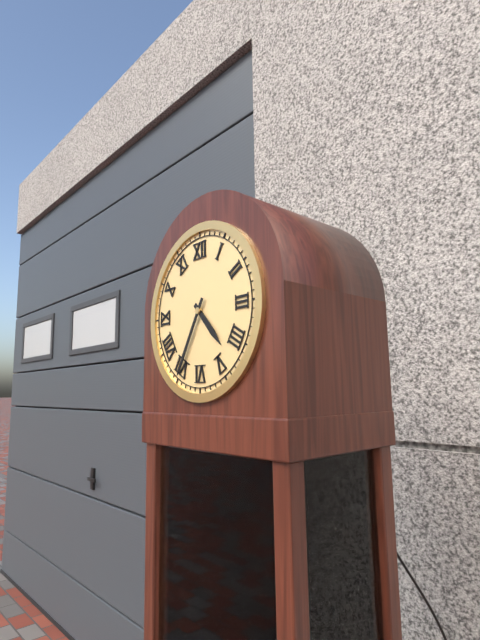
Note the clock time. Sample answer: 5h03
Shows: 4h35
